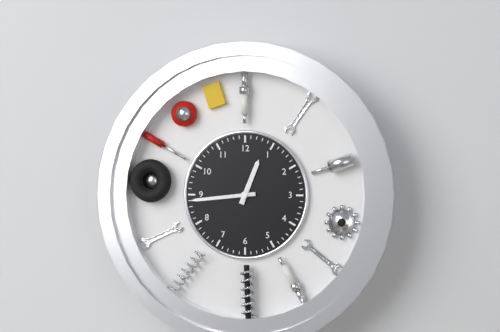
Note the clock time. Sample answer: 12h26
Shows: 12h44
